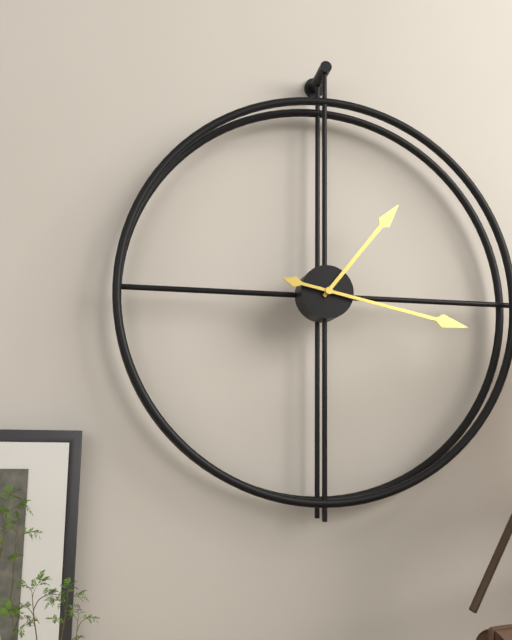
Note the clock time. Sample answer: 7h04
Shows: 1h17
